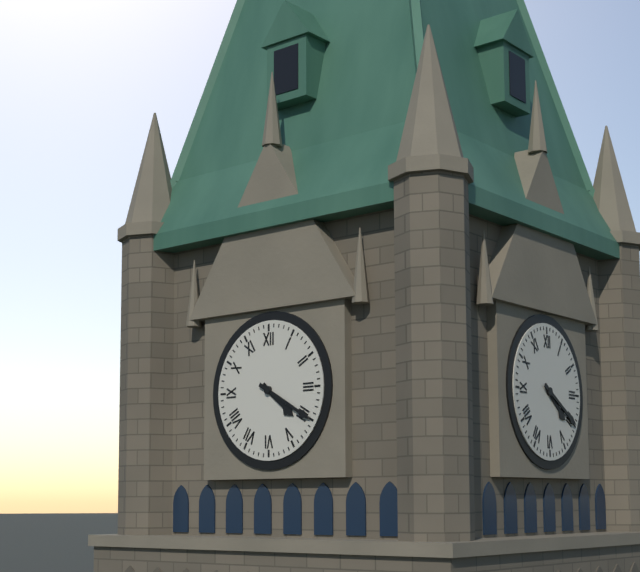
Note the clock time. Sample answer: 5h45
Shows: 4h20
